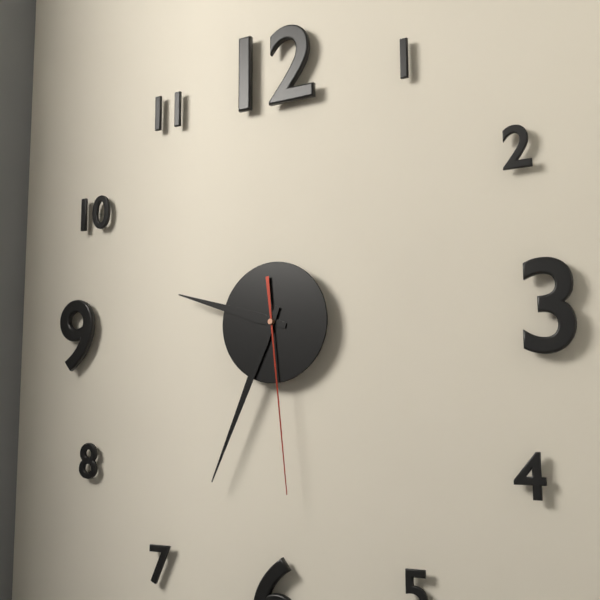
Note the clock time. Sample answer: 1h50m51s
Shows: 9h34m29s
